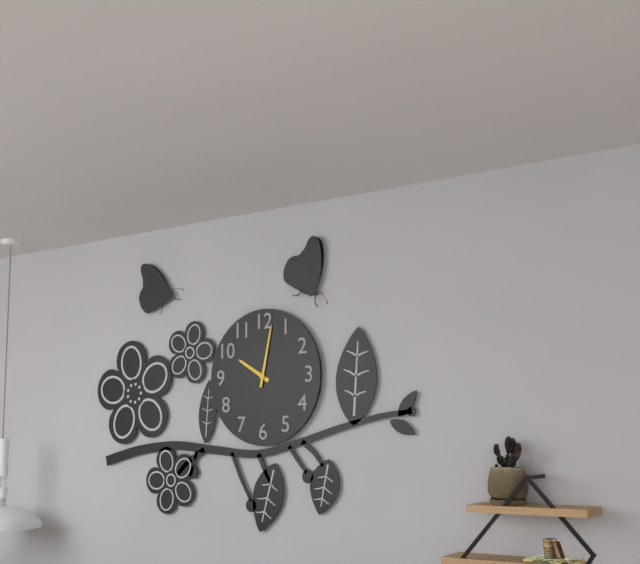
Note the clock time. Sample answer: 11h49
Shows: 10h02
